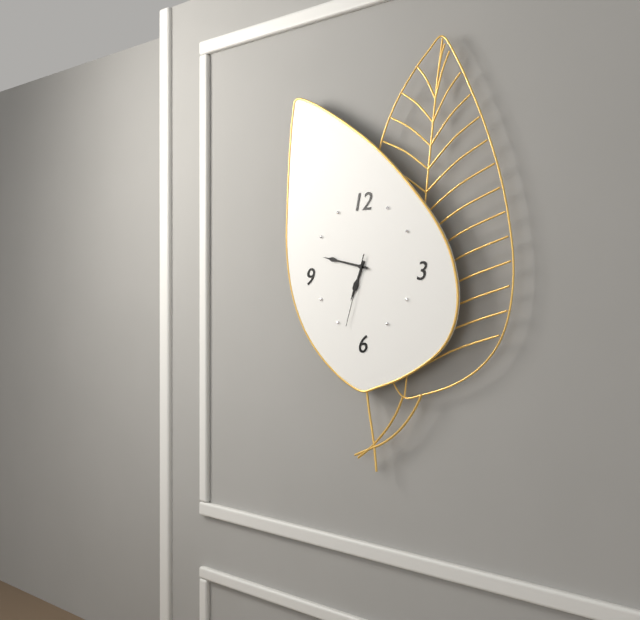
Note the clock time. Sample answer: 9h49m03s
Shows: 6h47m33s
